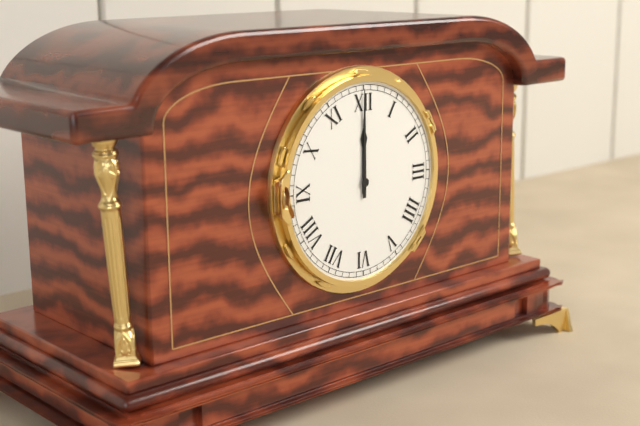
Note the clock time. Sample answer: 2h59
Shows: 12h00
